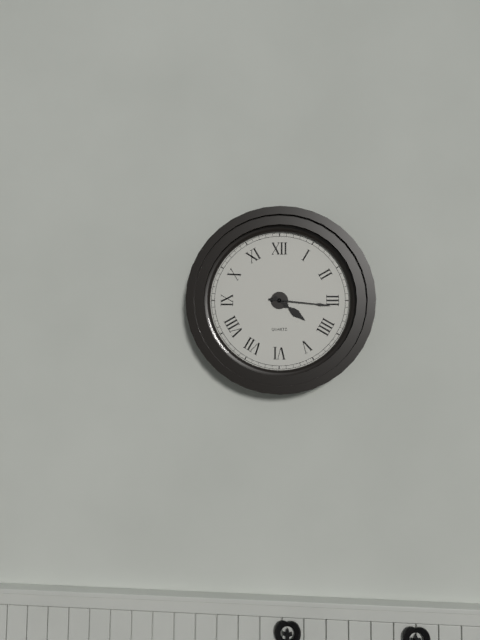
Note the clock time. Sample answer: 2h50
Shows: 4h16
